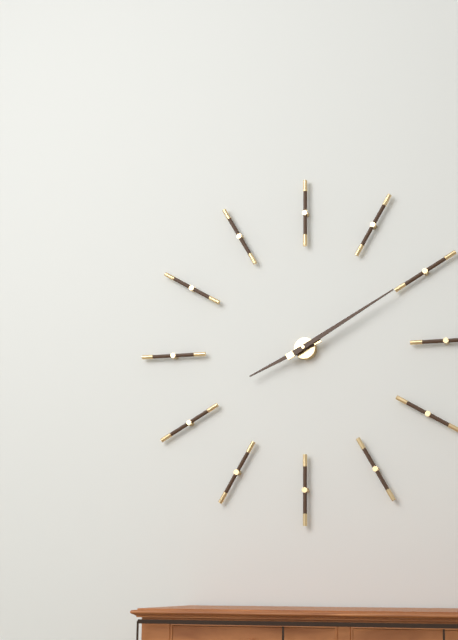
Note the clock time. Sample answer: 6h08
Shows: 8h10
